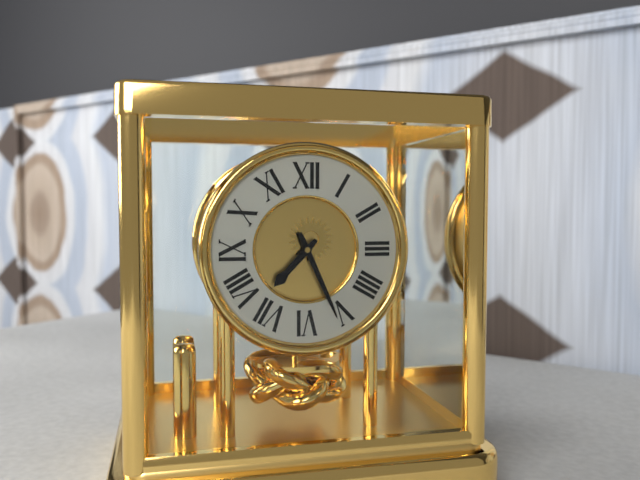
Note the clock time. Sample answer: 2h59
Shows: 7h26
